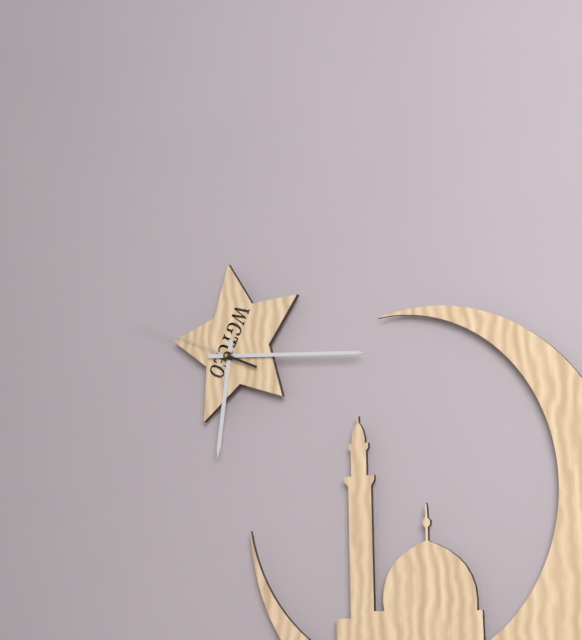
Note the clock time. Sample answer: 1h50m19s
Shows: 6h16m49s
